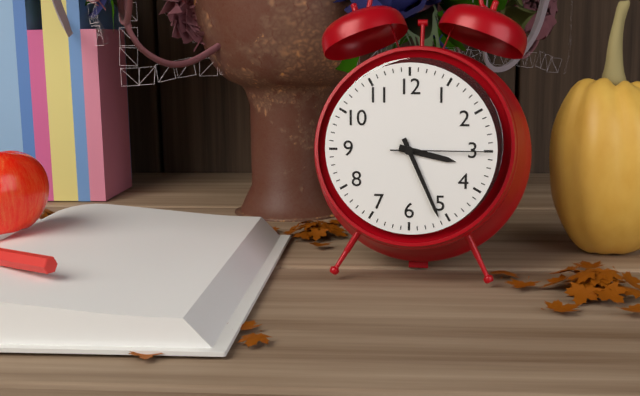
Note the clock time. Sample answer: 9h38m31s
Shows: 3h26m15s
